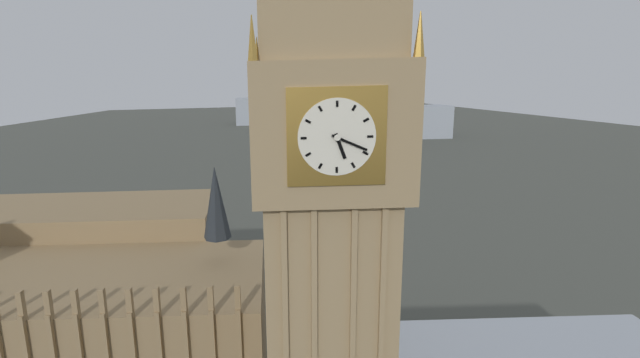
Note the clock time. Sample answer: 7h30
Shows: 5h19
